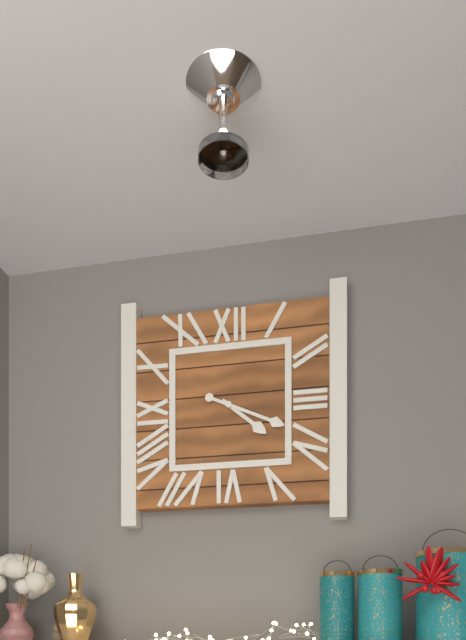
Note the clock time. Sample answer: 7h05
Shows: 4h19
